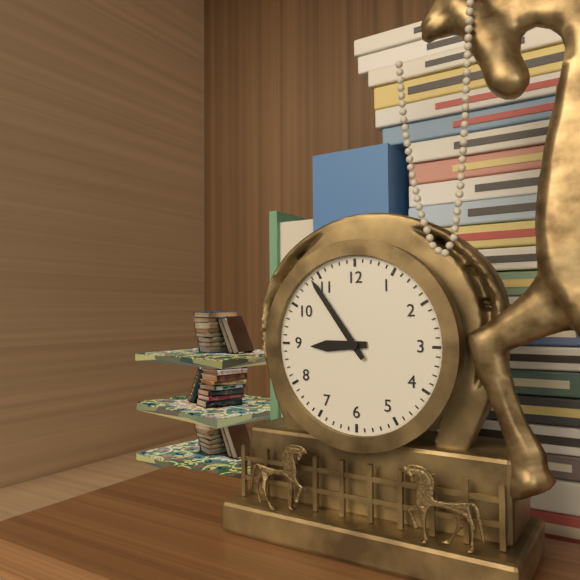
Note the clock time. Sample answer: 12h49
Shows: 8h54
